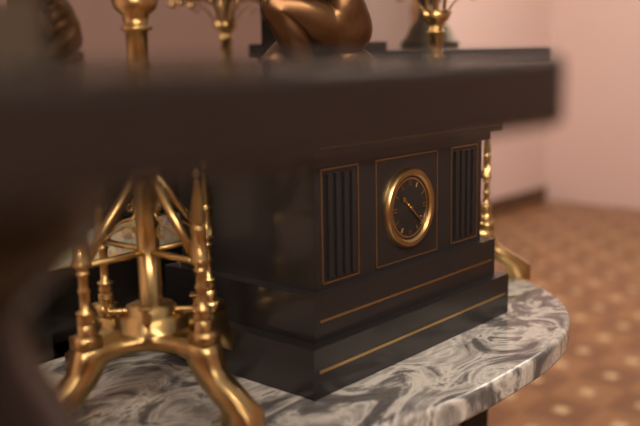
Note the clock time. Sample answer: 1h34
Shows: 10h22
